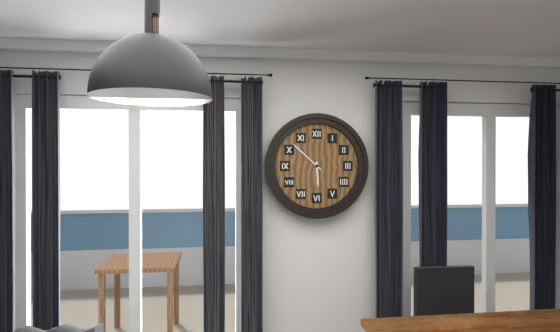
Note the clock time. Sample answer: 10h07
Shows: 5h52
